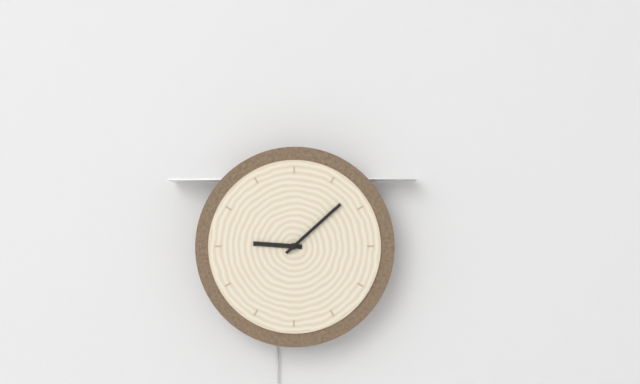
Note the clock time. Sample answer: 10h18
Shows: 9h08
